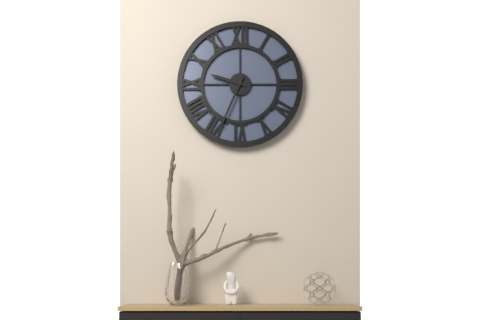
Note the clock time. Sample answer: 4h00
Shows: 9h34
